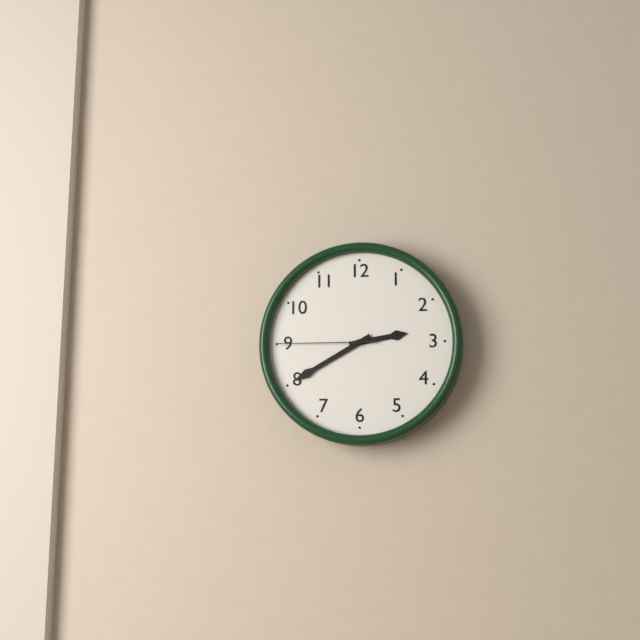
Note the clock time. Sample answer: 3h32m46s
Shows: 2h40m45s
